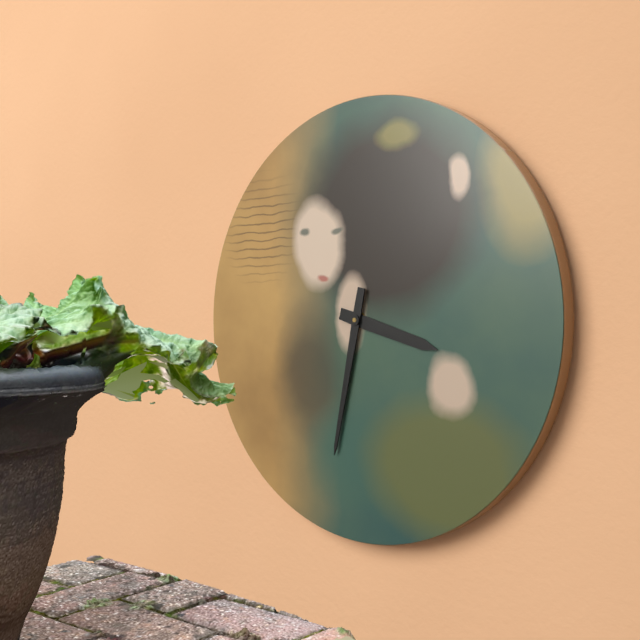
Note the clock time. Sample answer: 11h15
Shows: 3h32
